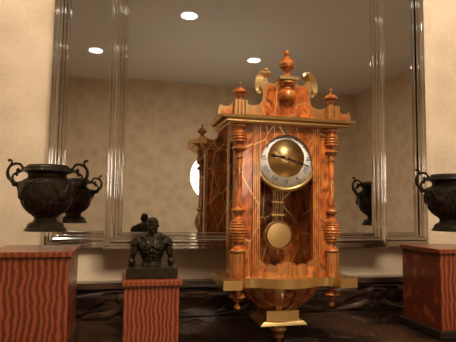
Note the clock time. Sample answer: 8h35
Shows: 9h18
